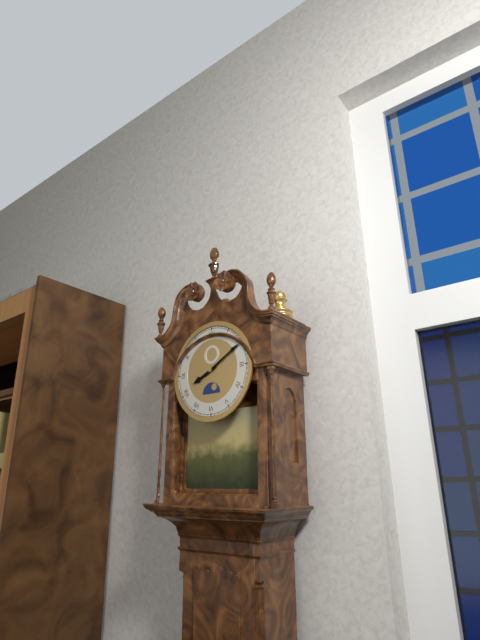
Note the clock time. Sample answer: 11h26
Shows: 8h10
